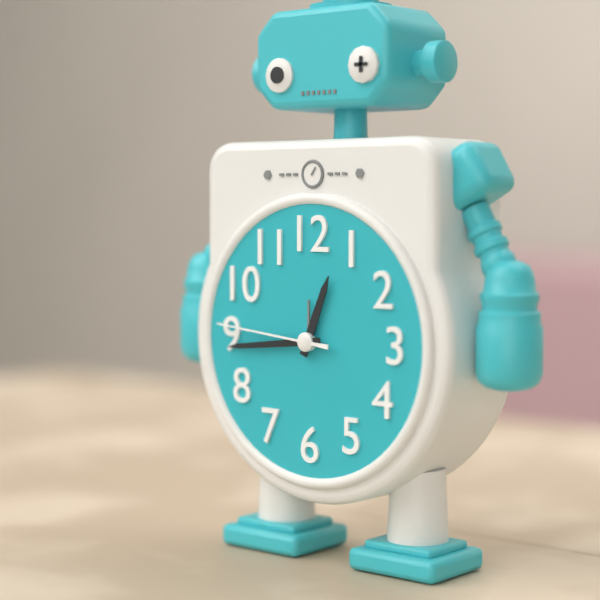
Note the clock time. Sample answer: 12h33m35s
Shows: 12h44m46s
